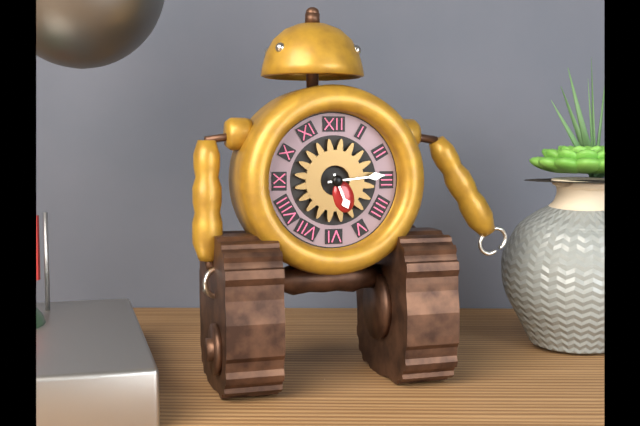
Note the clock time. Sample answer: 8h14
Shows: 5h14
